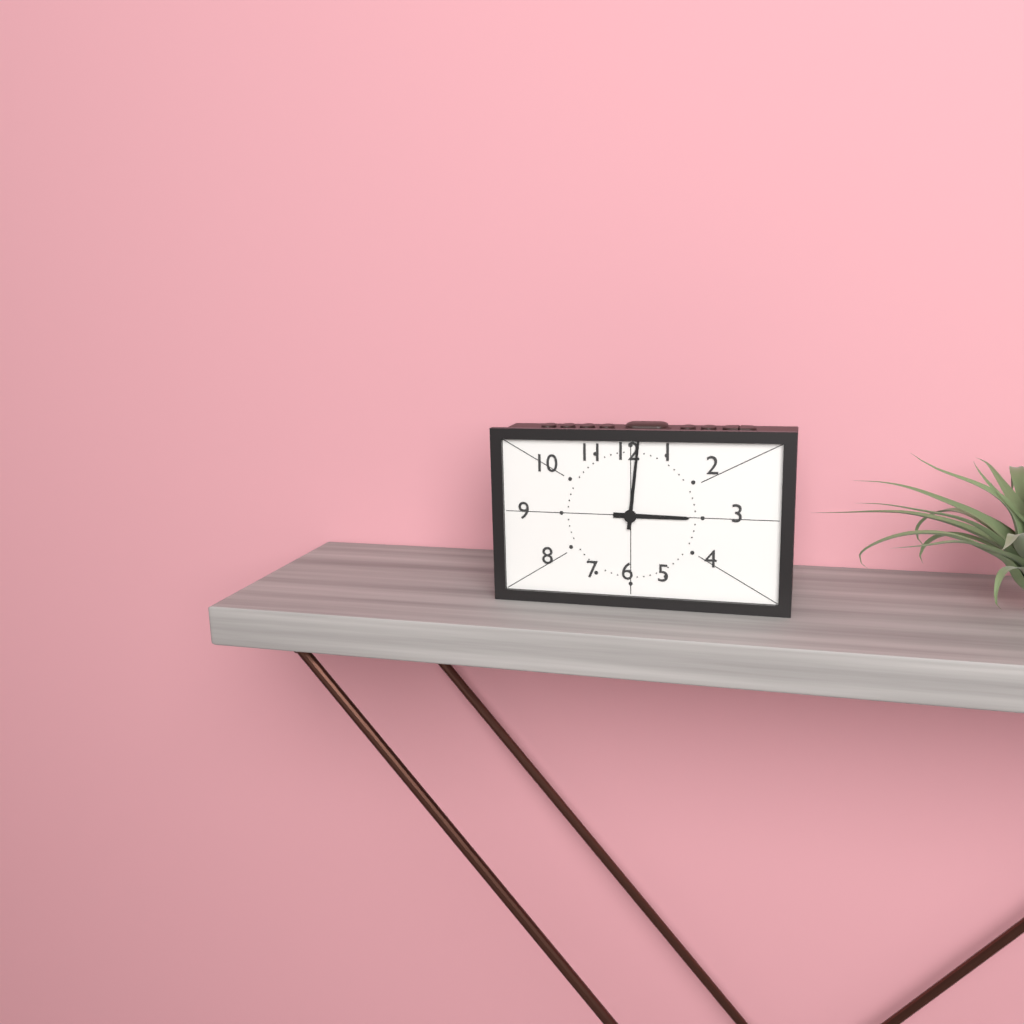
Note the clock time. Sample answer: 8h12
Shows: 3h01
